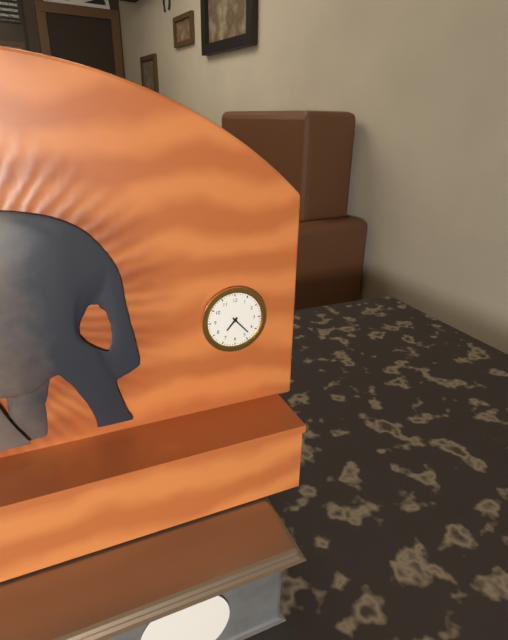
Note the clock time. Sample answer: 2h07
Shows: 7h23
